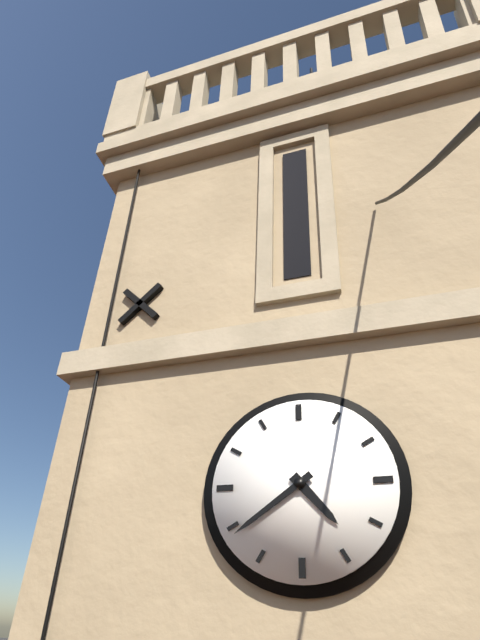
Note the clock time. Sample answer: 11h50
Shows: 4h39
